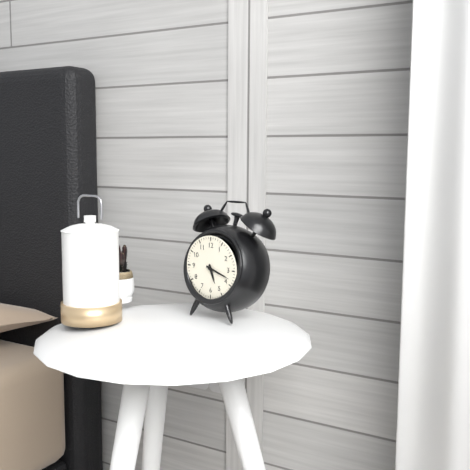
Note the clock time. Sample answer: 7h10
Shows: 5h18
